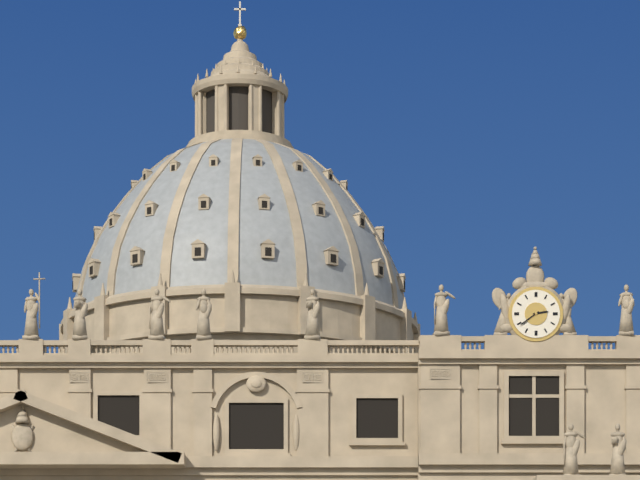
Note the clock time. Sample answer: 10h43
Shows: 2h39
